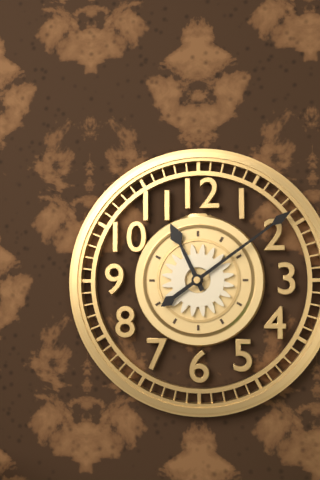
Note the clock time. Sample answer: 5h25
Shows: 11h09
